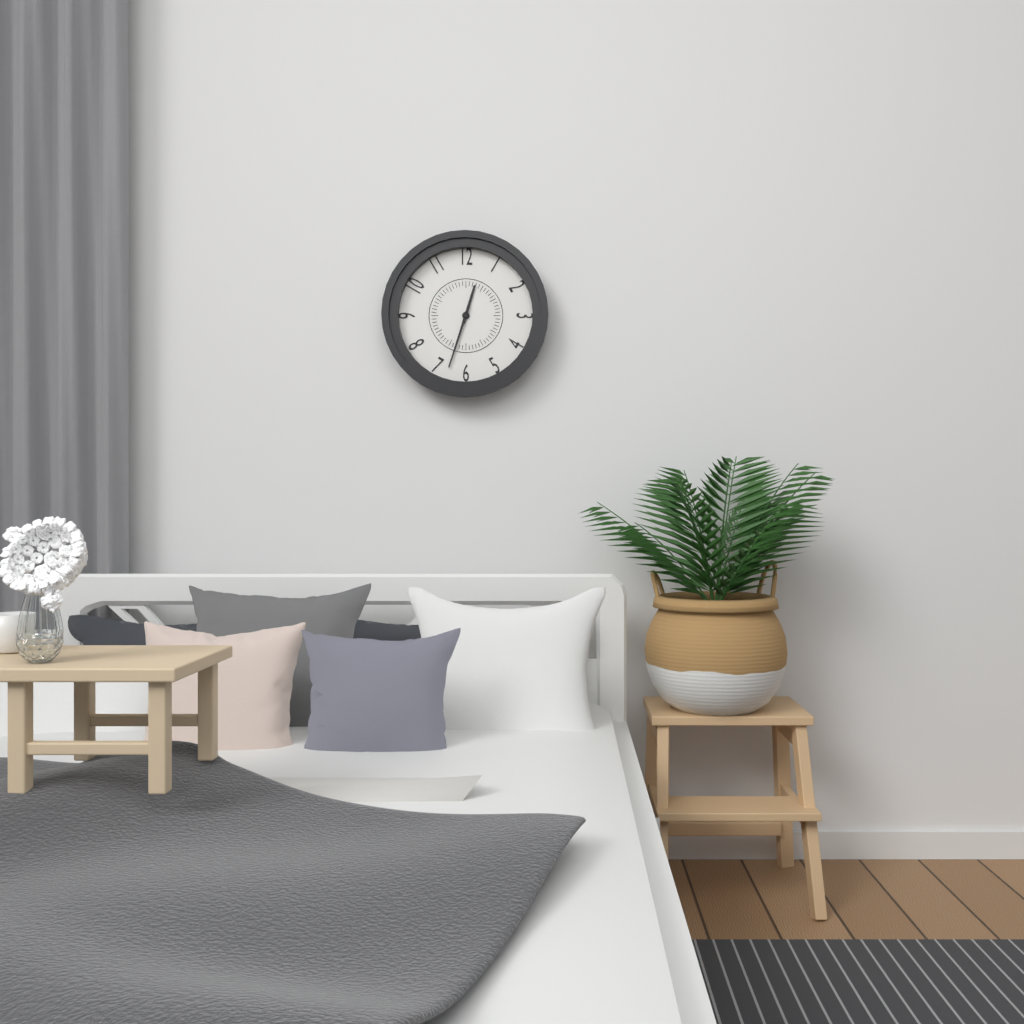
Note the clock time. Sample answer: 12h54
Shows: 12h33
